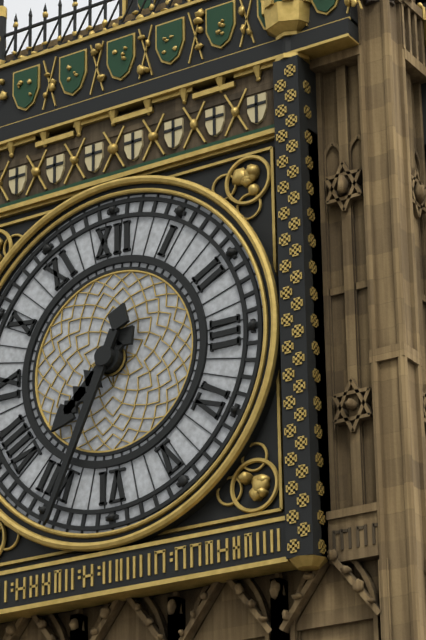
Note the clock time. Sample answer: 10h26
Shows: 7h34
